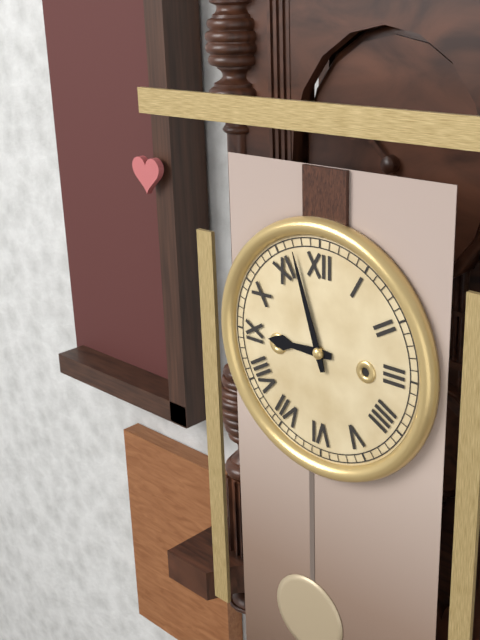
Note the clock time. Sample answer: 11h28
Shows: 8h57
